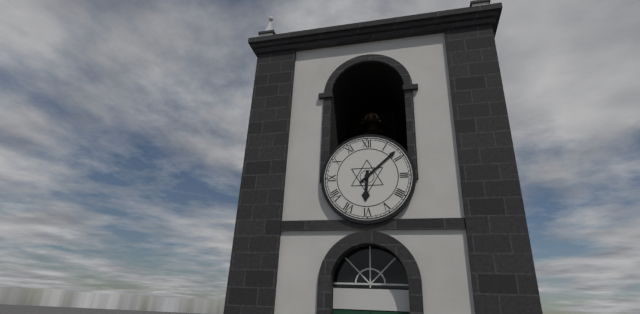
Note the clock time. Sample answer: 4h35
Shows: 6h08
